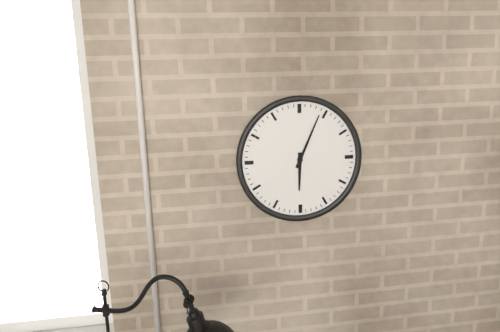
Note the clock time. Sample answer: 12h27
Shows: 6h04
